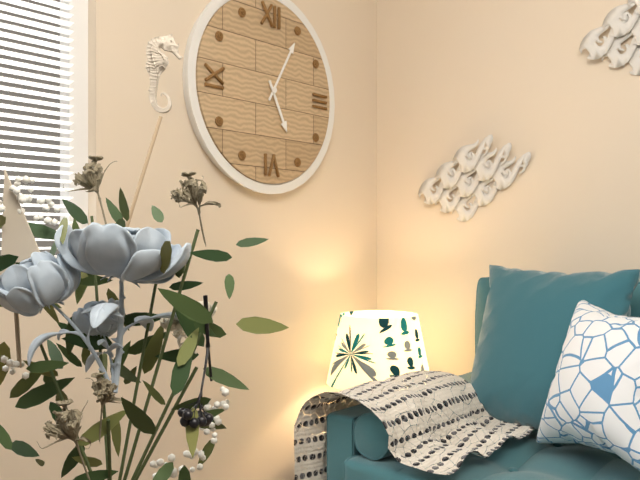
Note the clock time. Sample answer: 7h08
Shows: 5h05
